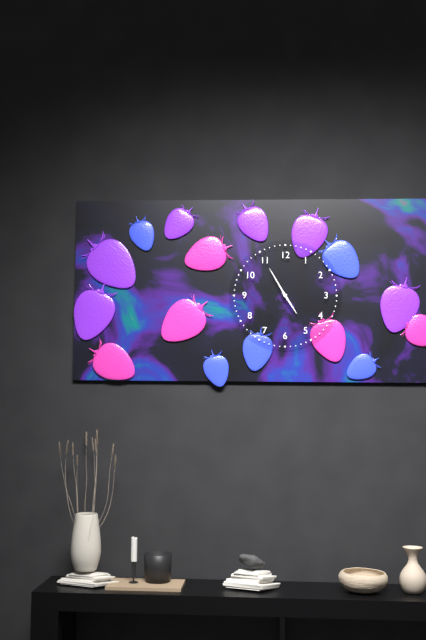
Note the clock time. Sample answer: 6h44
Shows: 4h55
